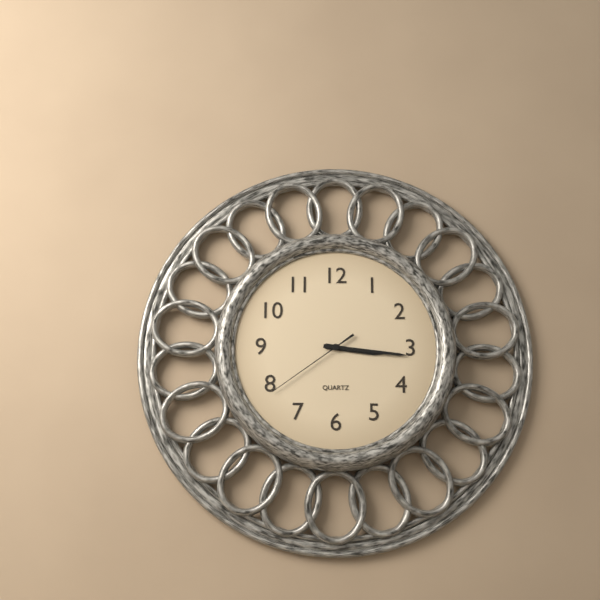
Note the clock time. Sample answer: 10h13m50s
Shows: 3h16m39s
